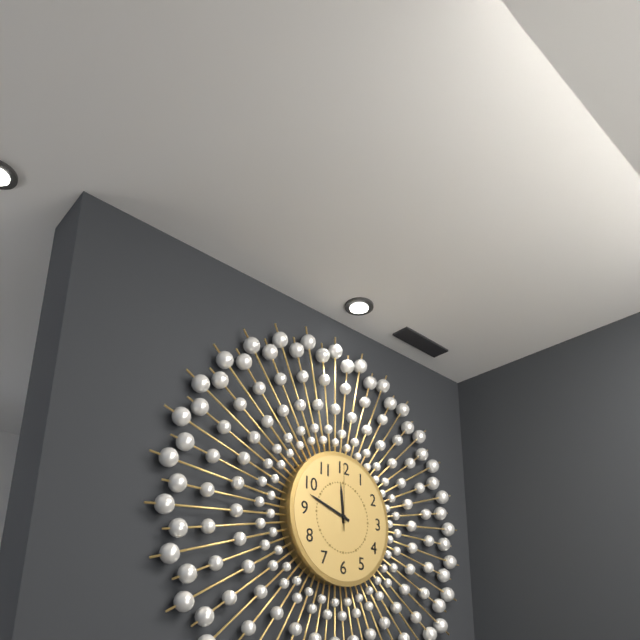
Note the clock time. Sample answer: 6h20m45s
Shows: 11h48m00s
